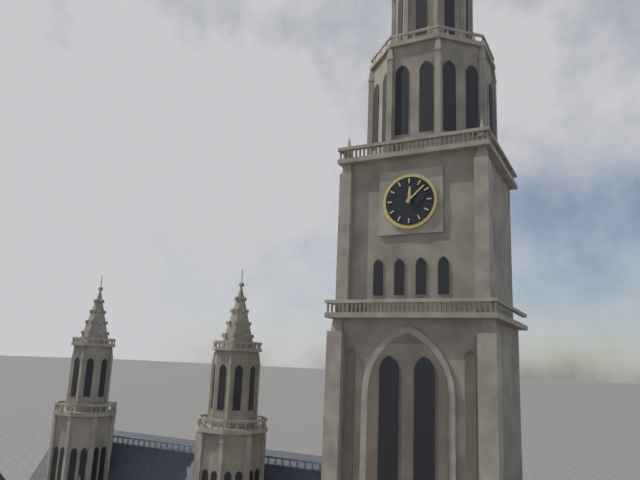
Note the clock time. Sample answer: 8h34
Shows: 12h08
